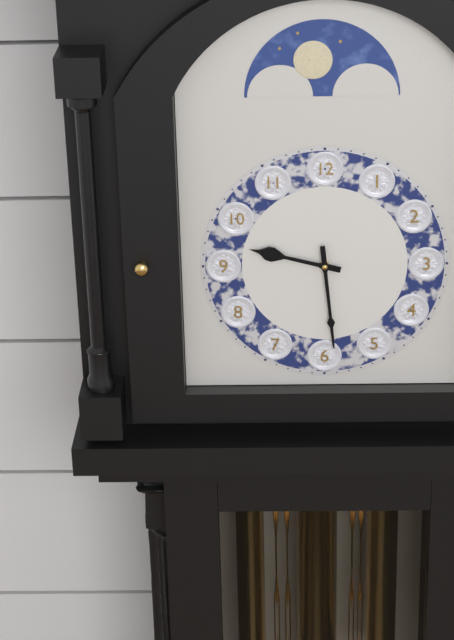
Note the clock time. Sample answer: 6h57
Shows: 9h29
